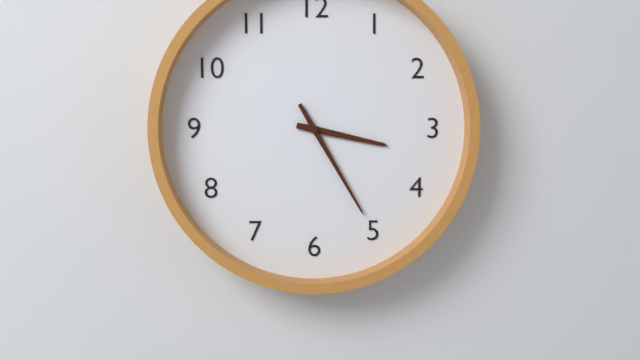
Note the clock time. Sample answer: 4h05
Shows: 3h25
